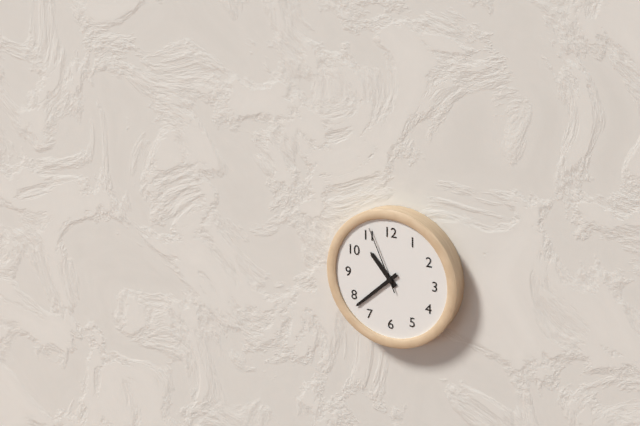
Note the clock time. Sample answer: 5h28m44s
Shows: 10h38m56s
